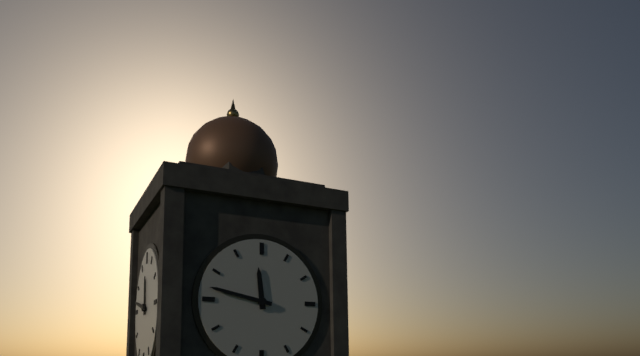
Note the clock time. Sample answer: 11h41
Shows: 11h47
